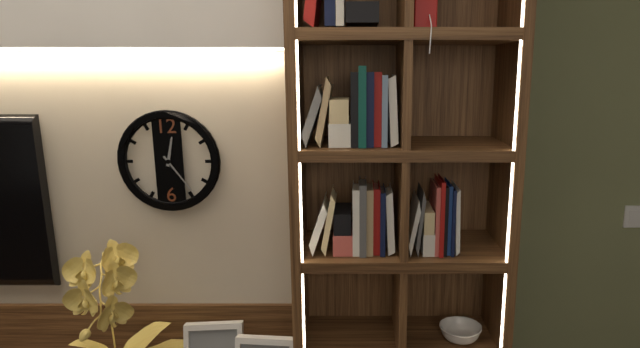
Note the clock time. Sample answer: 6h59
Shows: 12h24
